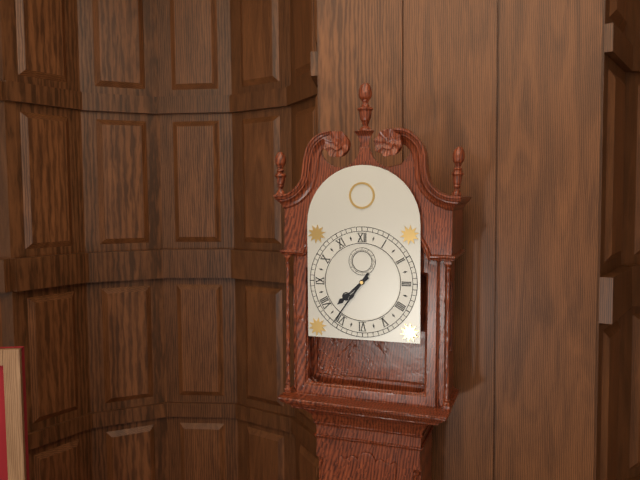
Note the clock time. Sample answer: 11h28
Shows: 7h36
